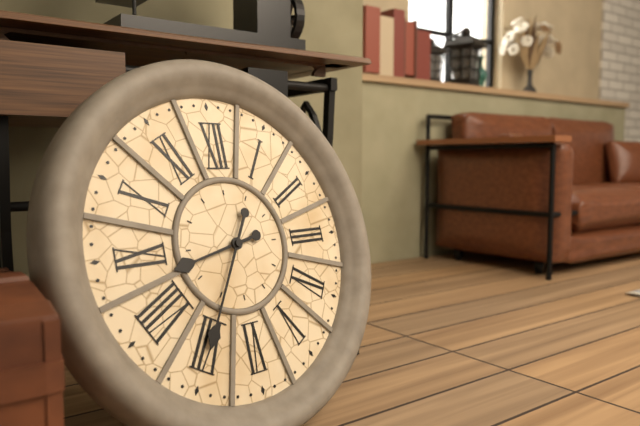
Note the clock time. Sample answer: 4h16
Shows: 8h35
